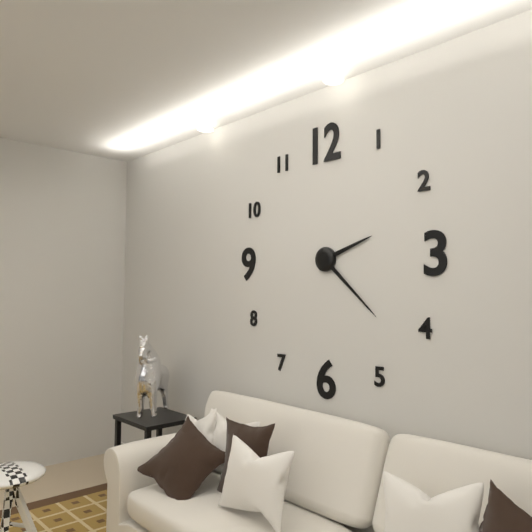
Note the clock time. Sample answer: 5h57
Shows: 2h22
